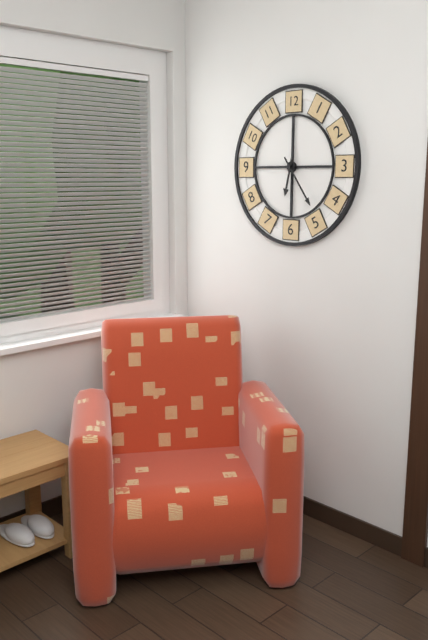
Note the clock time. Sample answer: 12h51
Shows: 6h24
